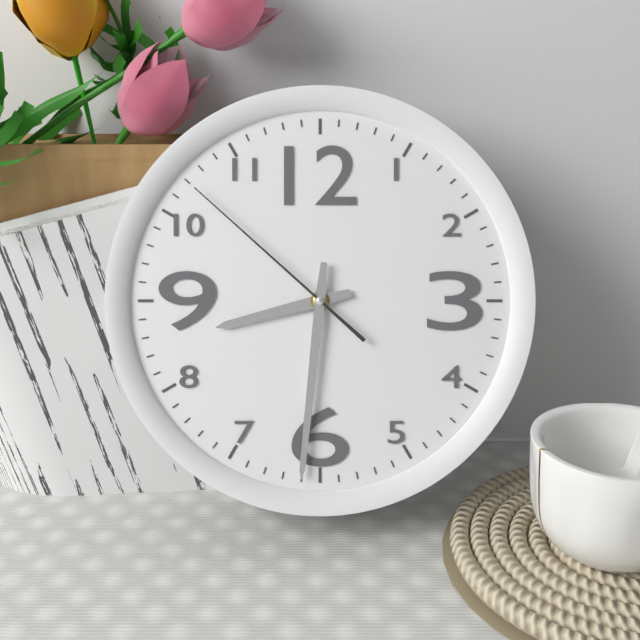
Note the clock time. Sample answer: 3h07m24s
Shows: 8h31m52s
